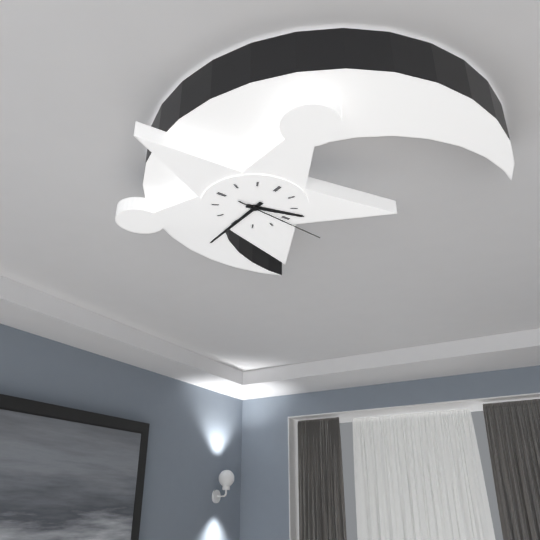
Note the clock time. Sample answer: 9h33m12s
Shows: 2h30m16s
